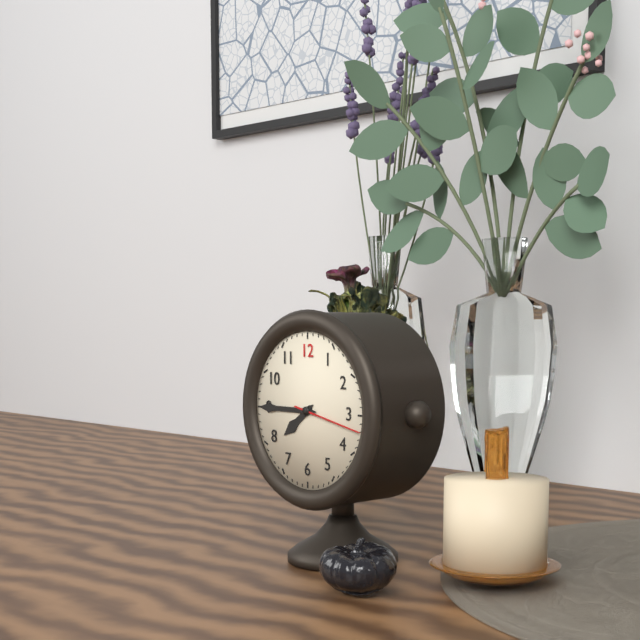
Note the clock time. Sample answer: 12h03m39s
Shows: 7h45m17s
